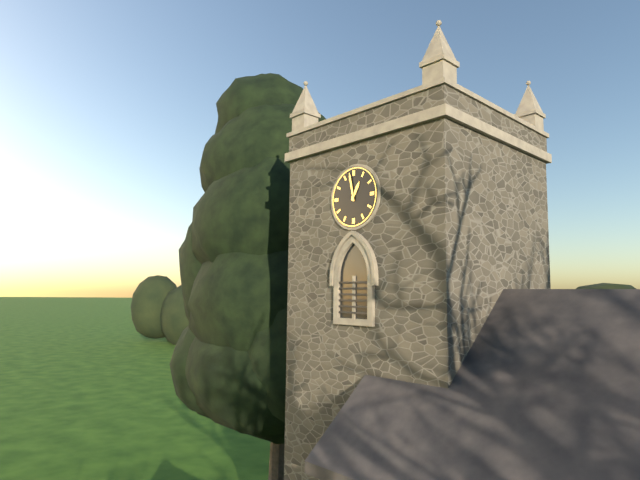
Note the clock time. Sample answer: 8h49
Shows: 12h58
